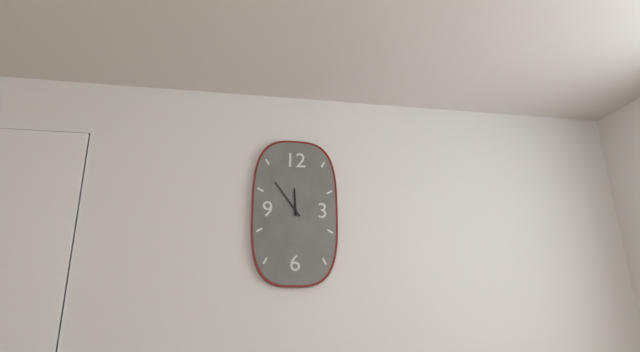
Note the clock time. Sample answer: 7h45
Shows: 11h54
